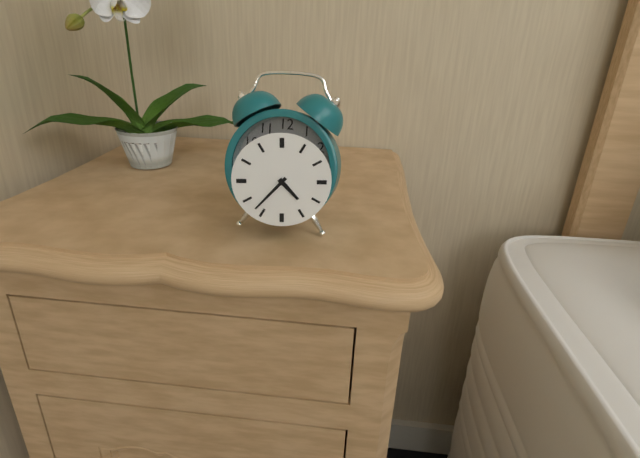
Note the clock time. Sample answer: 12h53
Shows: 4h37
